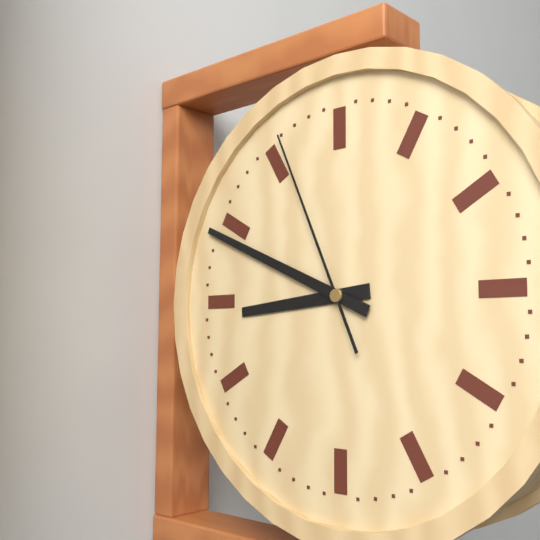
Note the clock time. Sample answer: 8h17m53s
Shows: 8h49m56s
